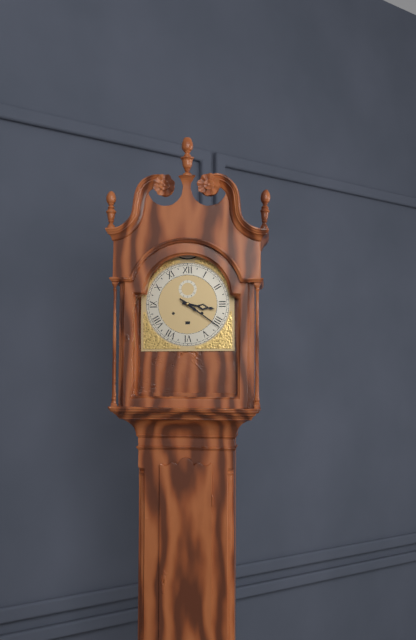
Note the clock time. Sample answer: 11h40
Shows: 3h21
